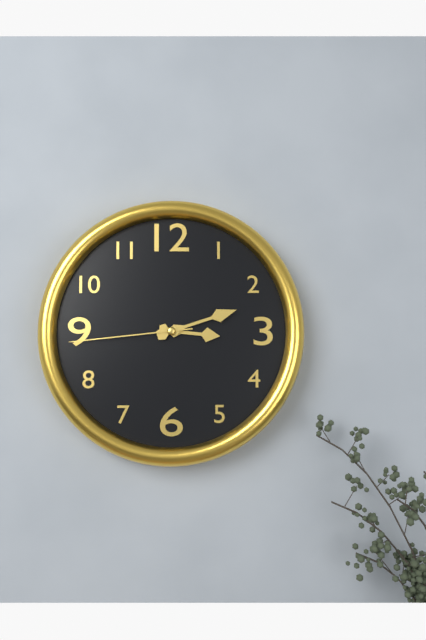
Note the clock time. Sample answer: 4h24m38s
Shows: 3h12m44s
